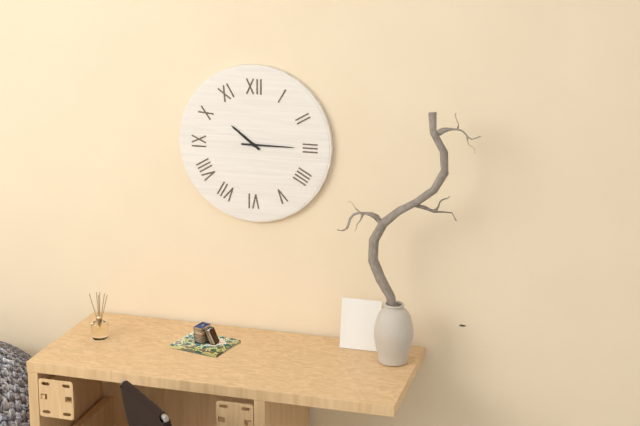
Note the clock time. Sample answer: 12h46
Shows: 10h15
